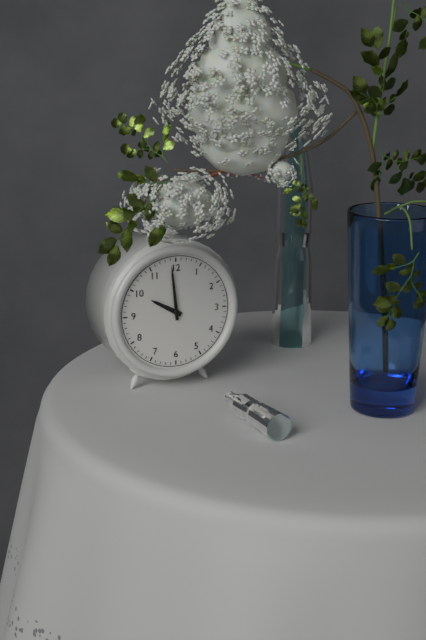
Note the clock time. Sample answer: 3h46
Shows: 9h59
